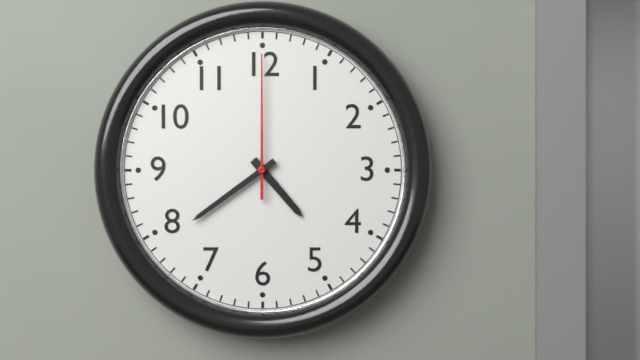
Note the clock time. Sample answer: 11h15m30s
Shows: 4h39m00s
